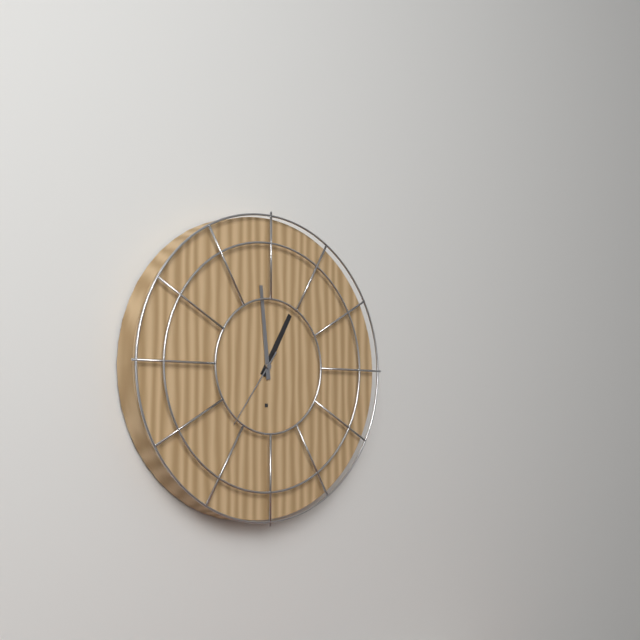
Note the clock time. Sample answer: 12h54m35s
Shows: 12h59m36s
